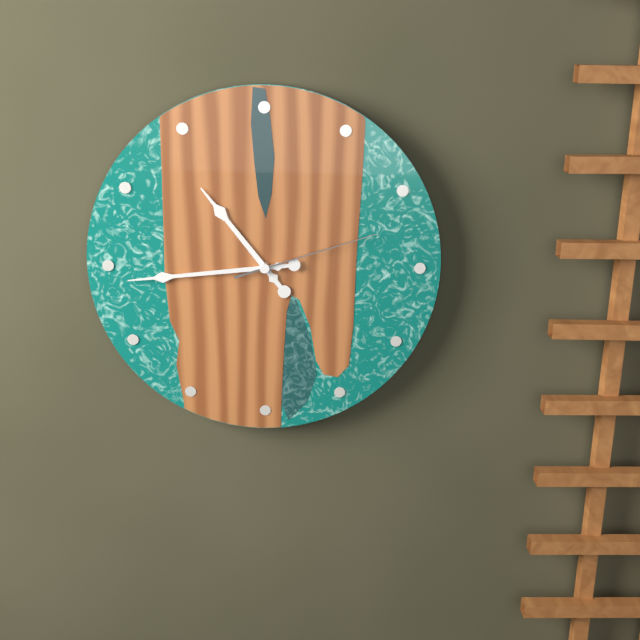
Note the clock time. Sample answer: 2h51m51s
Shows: 10h44m12s
